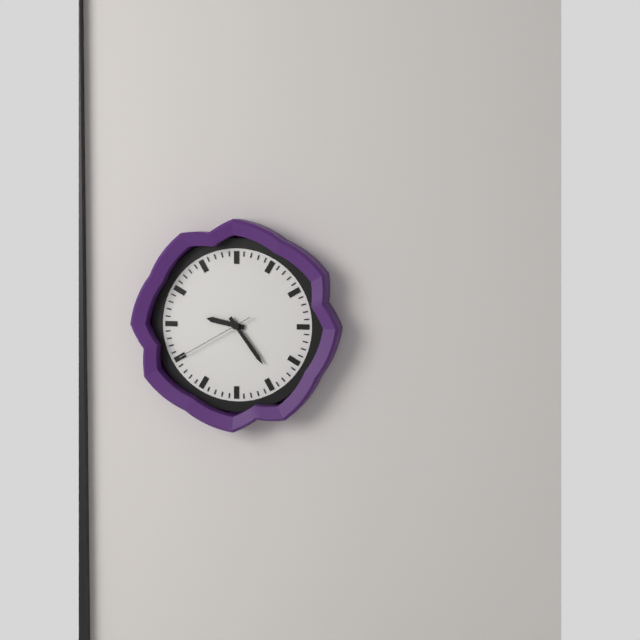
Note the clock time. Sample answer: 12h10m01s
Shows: 9h24m40s
